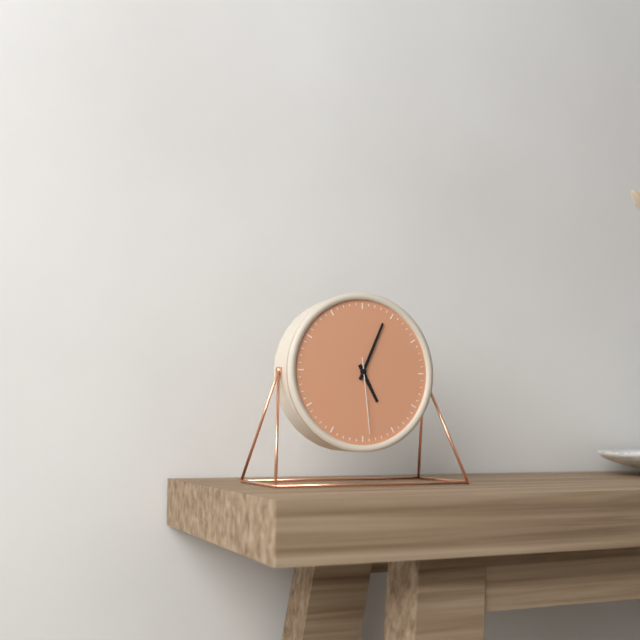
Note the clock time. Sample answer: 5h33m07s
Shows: 5h04m29s
